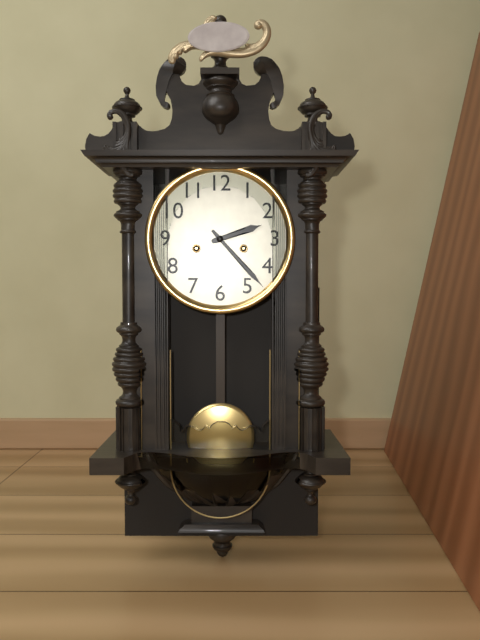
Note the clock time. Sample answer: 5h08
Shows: 2h23
